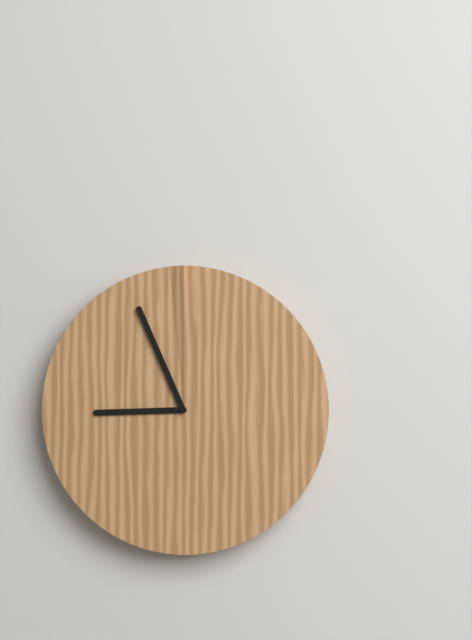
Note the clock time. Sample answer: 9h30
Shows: 8h56
